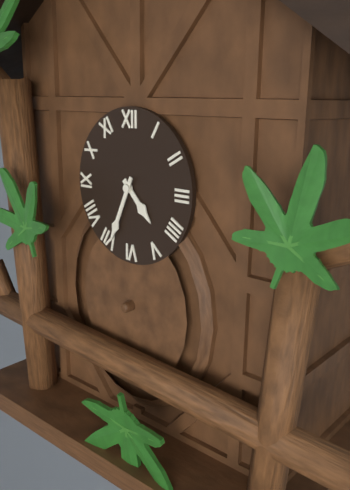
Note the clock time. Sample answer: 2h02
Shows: 4h34
